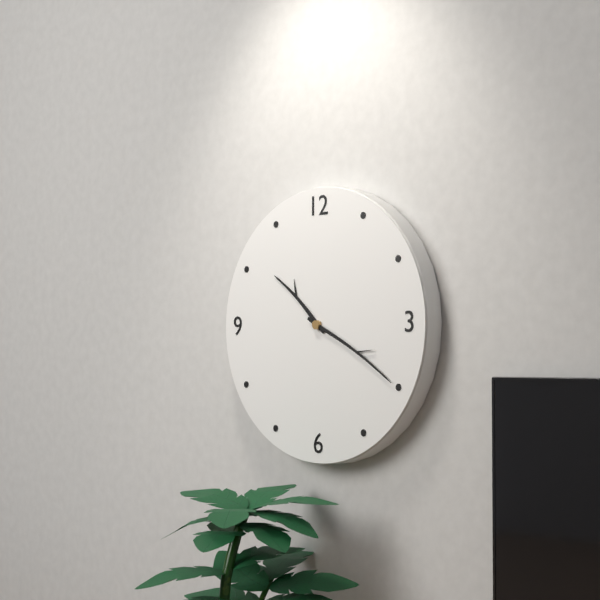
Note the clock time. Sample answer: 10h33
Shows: 10h20
